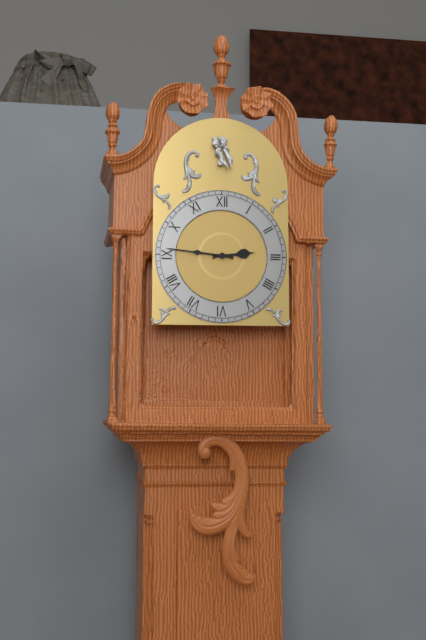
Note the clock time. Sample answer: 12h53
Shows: 2h46
